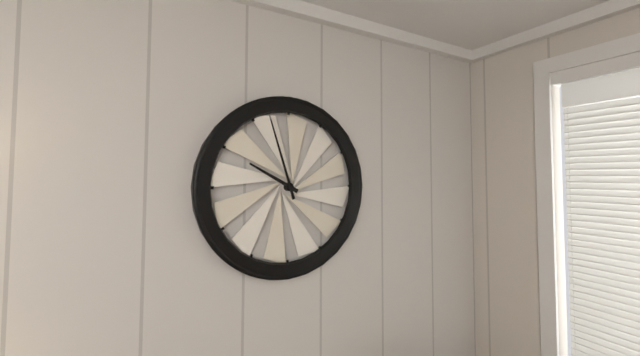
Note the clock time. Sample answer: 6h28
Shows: 9h57
